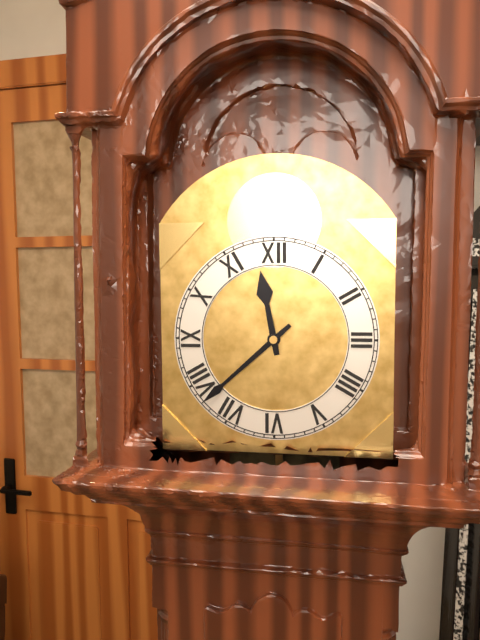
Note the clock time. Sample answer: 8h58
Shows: 11h38
